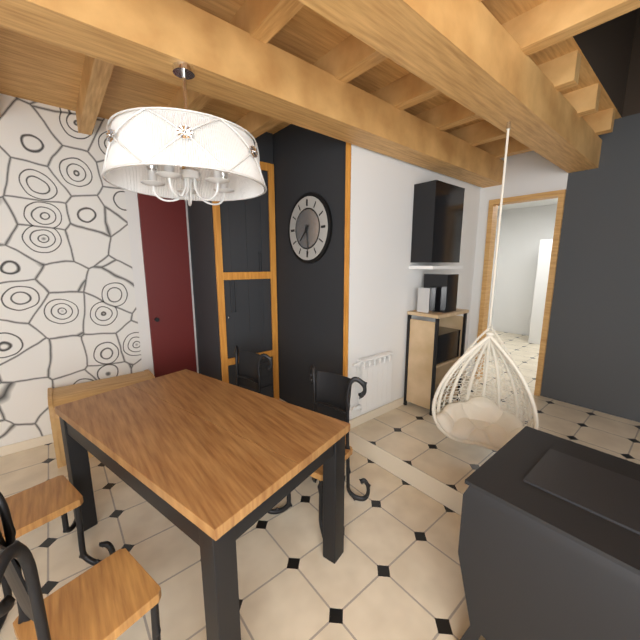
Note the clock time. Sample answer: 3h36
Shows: 7h29
